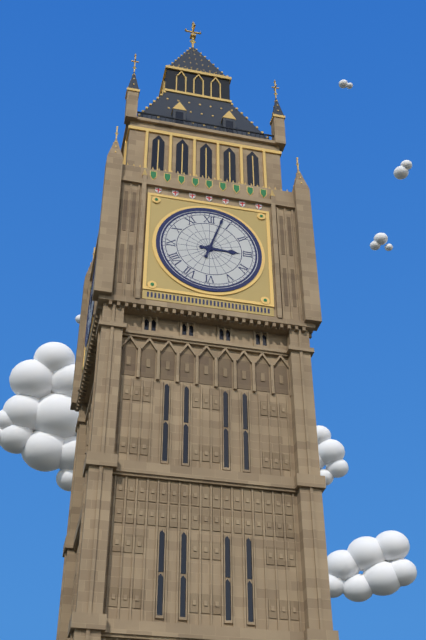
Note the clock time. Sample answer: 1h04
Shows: 3h03
